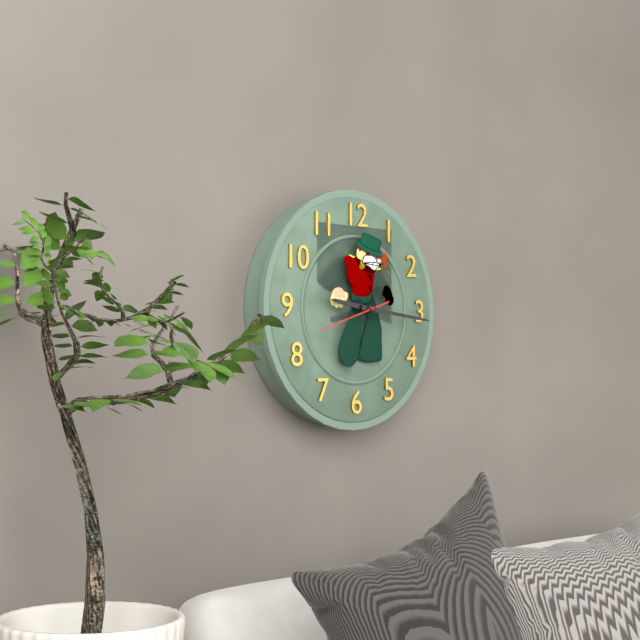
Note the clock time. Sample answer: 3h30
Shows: 9h16
